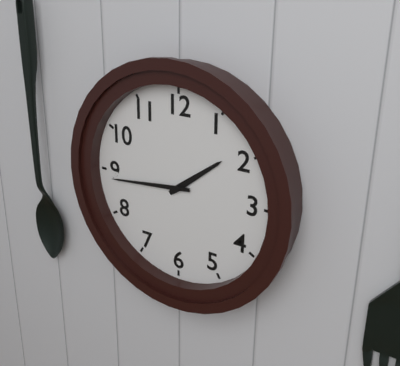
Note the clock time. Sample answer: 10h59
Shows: 1h44
